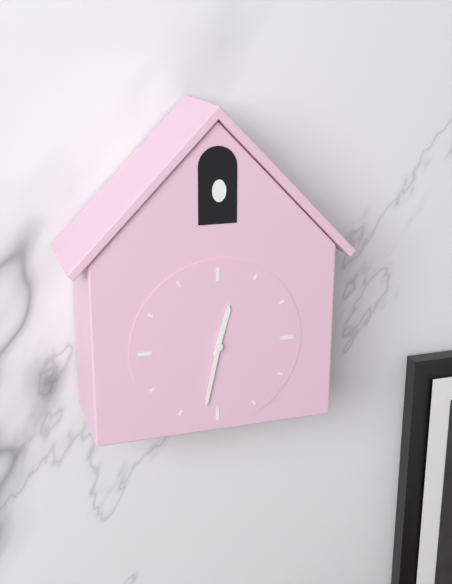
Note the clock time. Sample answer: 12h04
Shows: 12h32
